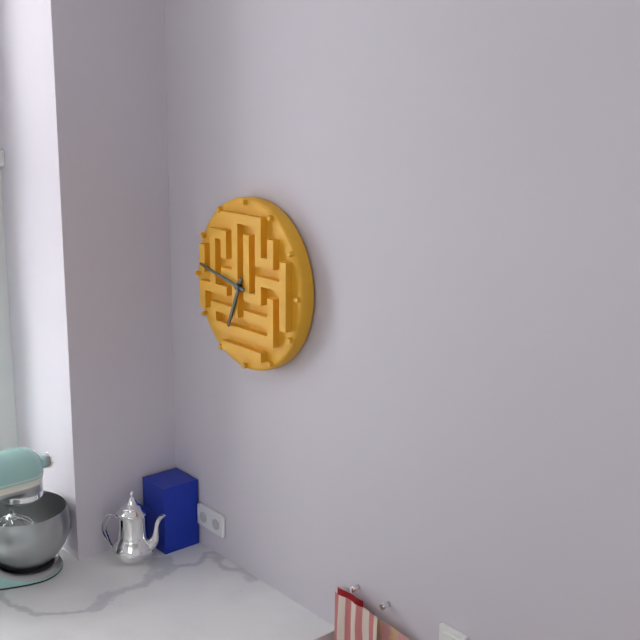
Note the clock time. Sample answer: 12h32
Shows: 6h47
